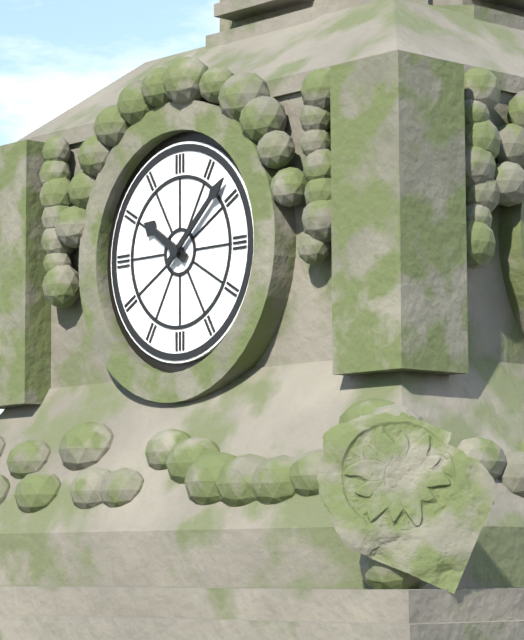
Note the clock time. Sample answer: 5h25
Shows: 10h08
